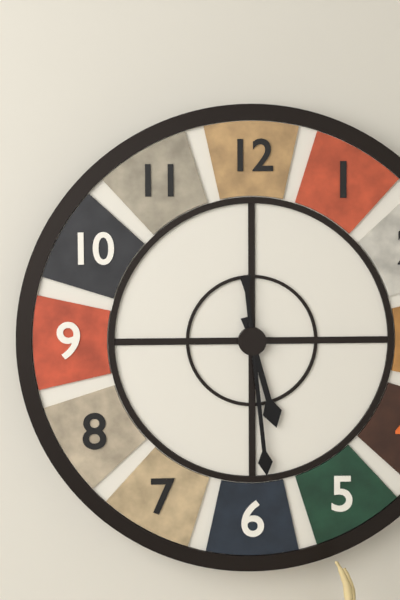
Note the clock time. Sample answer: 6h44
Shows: 5h29
